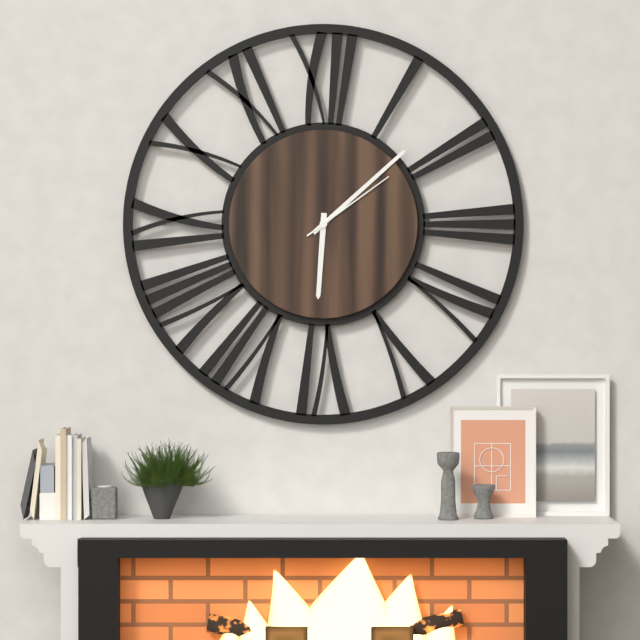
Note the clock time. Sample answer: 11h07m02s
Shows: 6h08m09s
